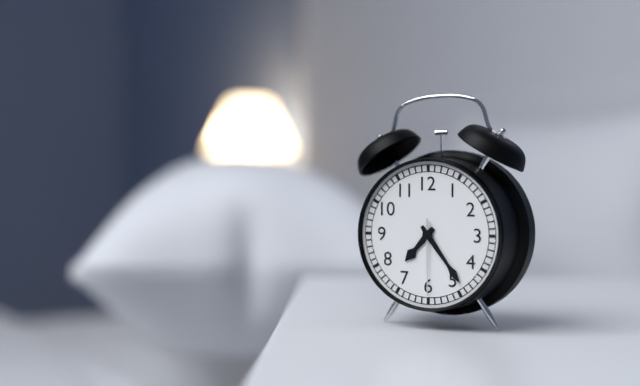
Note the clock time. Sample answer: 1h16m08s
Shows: 7h24m30s
